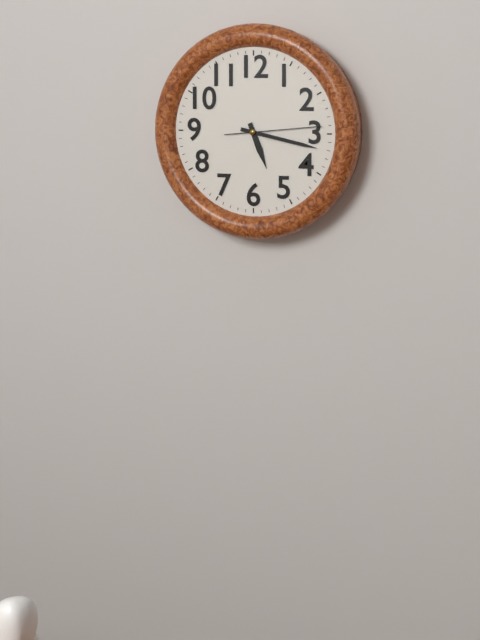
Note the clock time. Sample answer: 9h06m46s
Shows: 5h17m14s
